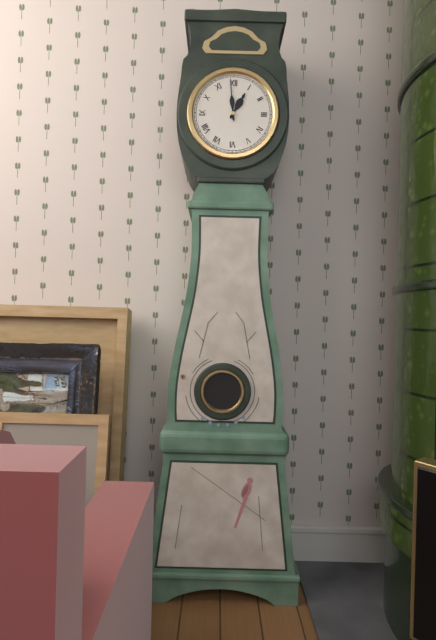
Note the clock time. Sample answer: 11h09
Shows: 12h59
